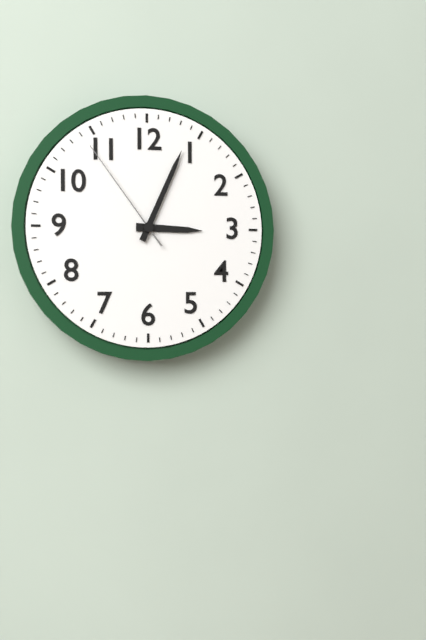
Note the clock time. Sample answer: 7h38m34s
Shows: 3h04m54s
